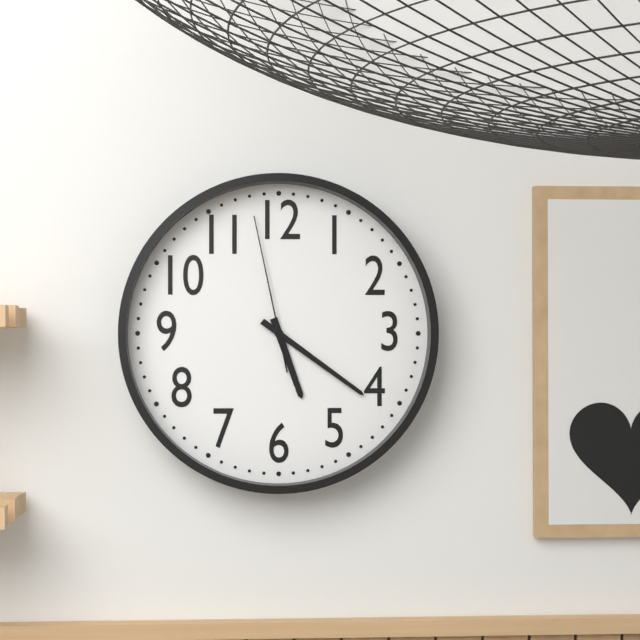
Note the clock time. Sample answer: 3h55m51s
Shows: 5h21m58s
